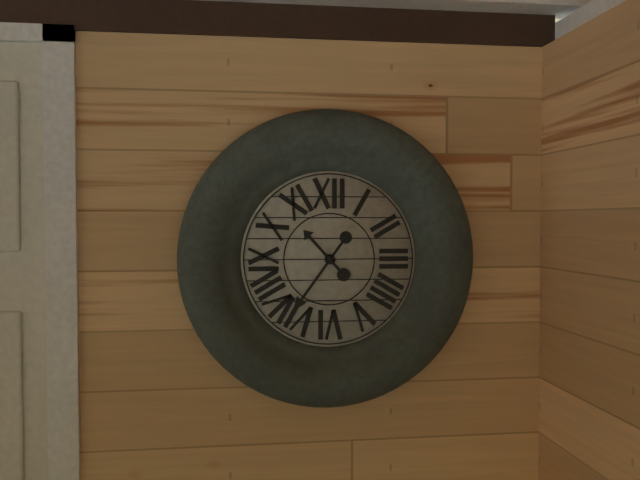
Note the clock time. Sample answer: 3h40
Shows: 10h36
